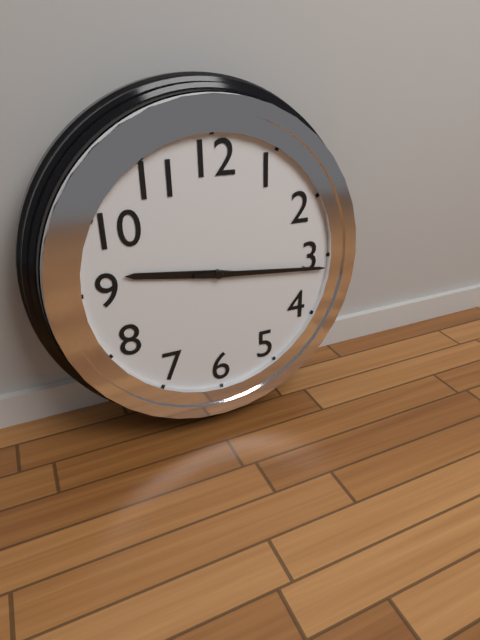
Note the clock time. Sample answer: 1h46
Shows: 9h16
